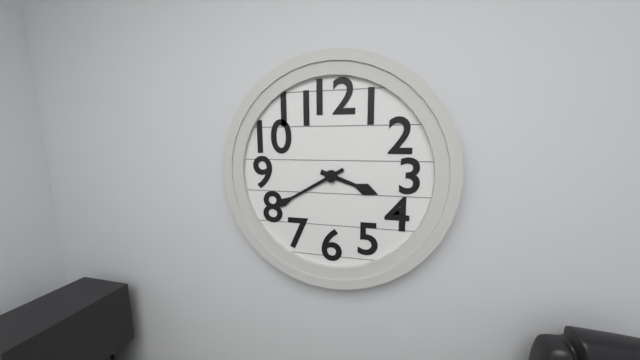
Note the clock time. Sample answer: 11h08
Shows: 3h40
